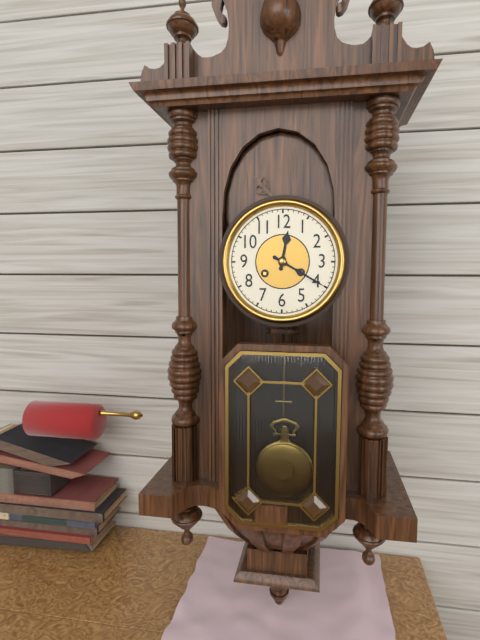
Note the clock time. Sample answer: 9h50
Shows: 12h20
